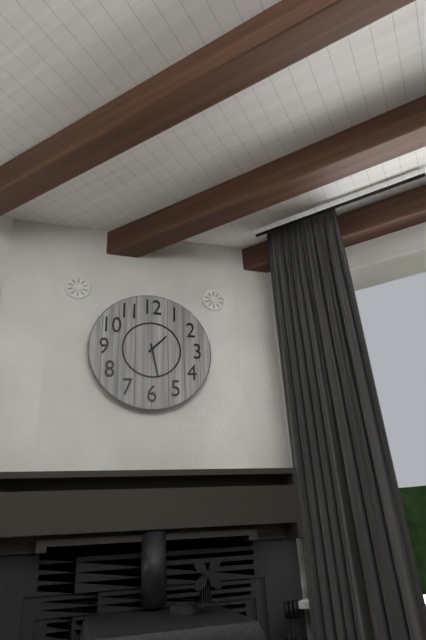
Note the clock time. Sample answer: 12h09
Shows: 1h28
